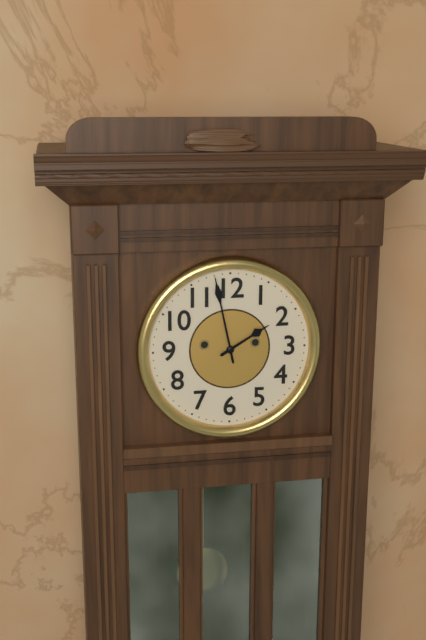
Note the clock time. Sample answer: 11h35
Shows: 1h58
